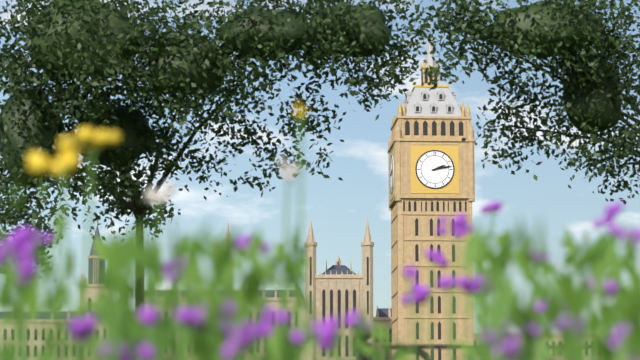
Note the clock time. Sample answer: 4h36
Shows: 2h13
